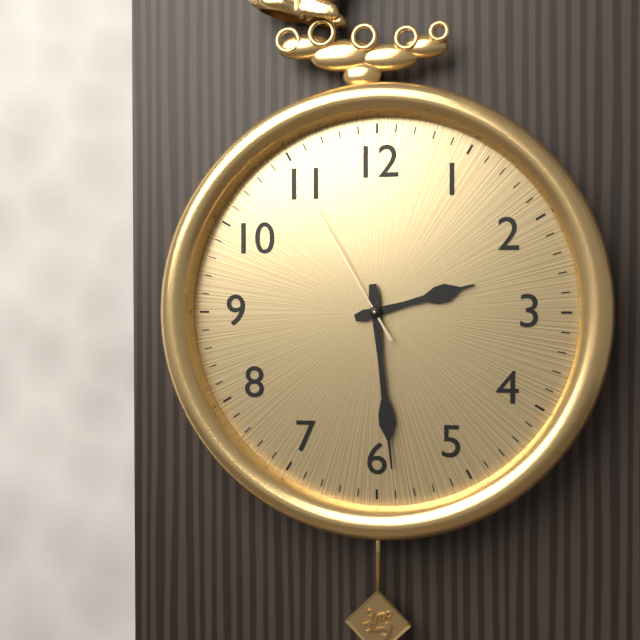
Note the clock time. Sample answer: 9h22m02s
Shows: 2h29m55s
